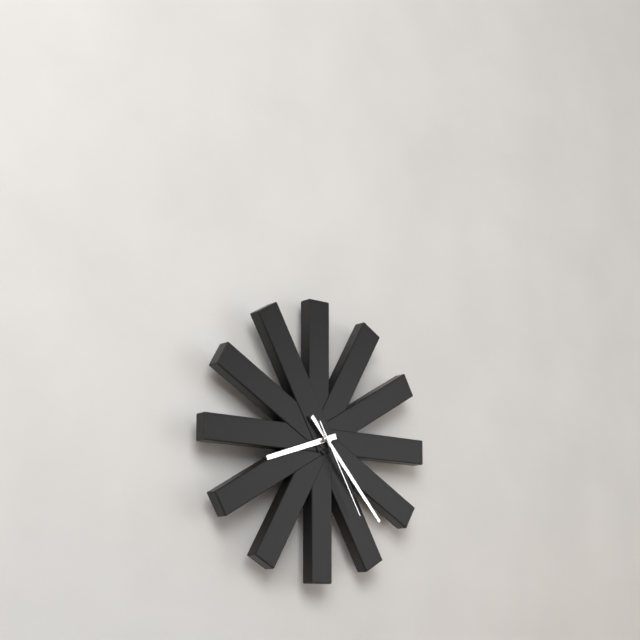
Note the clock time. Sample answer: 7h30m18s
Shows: 8h23m25s
